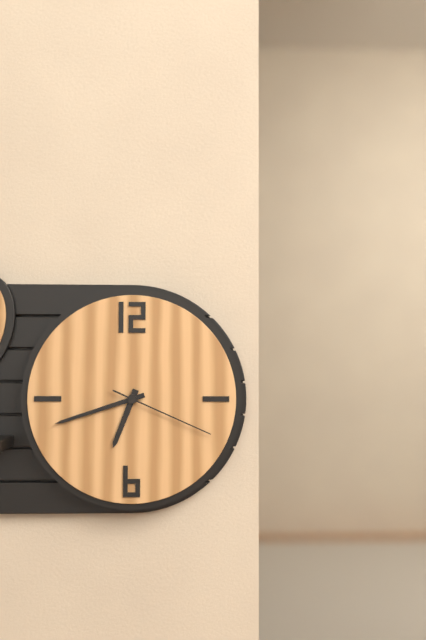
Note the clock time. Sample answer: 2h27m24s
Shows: 6h42m19s
